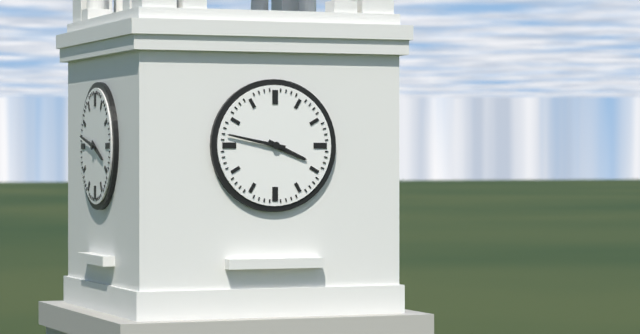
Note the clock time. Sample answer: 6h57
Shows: 3h47
